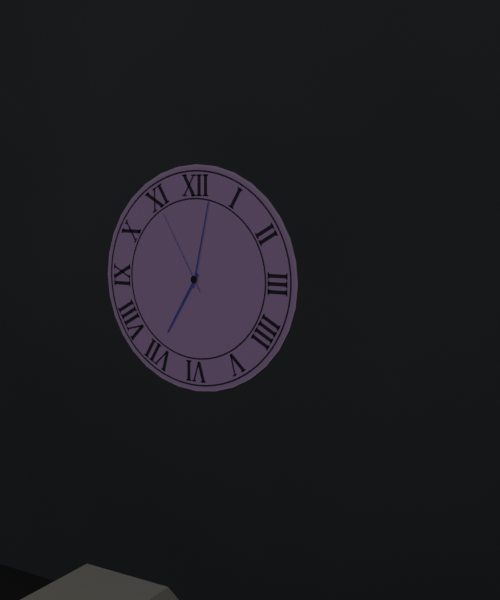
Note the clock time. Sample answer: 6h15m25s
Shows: 7h02m55s
